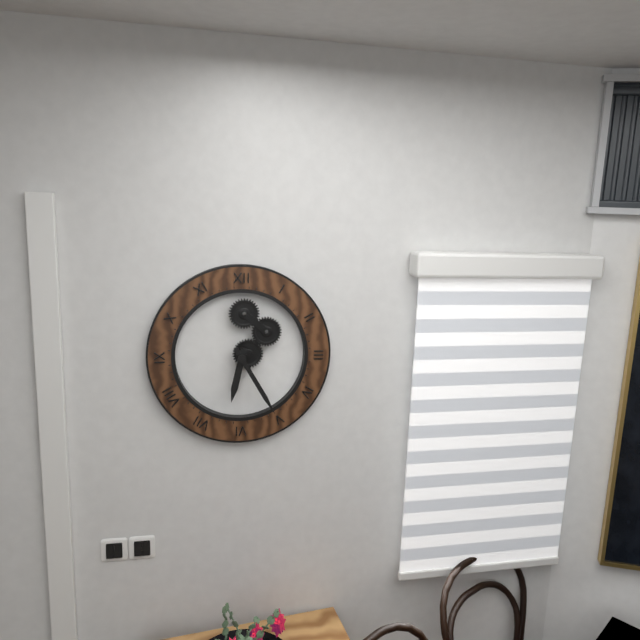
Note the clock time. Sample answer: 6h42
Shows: 6h25
